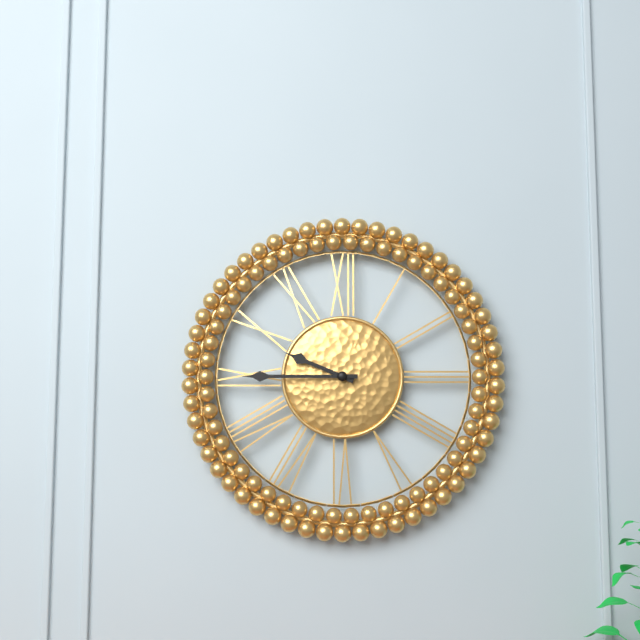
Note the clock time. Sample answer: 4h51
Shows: 9h45
